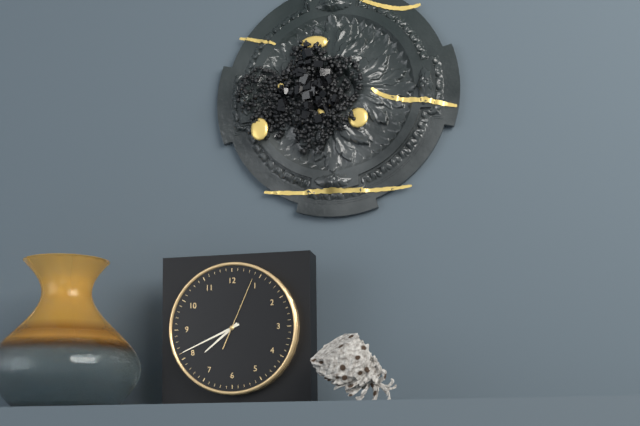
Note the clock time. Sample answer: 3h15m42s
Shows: 7h41m04s
